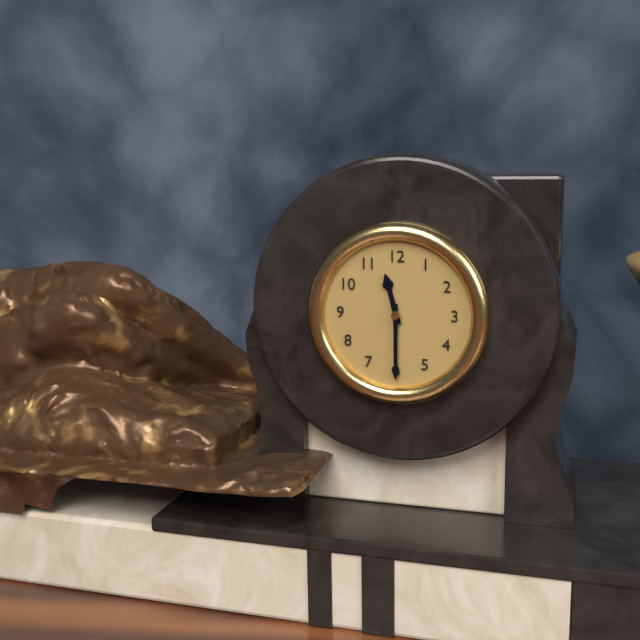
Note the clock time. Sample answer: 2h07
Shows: 11h30
